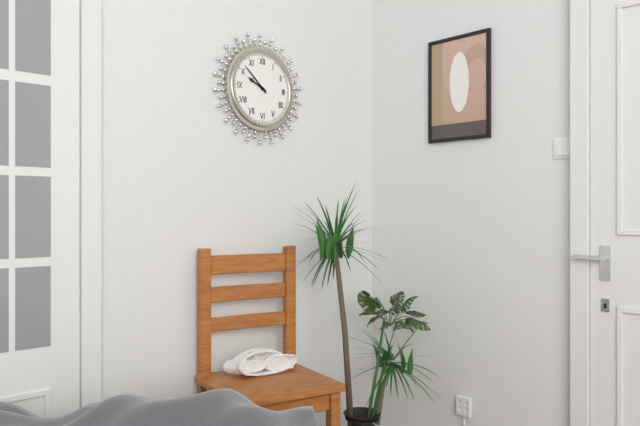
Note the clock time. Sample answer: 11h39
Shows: 9h52
